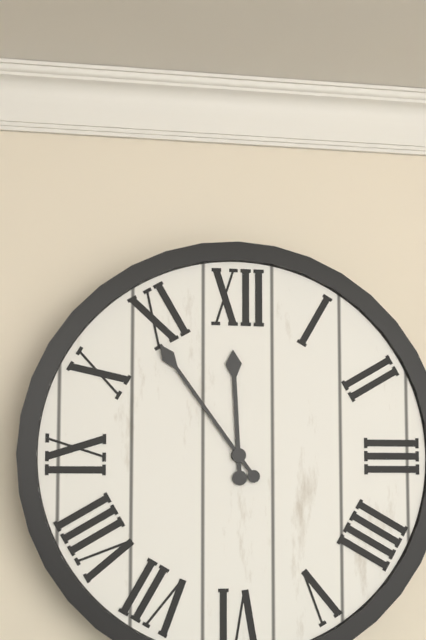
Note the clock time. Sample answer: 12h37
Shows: 11h54
